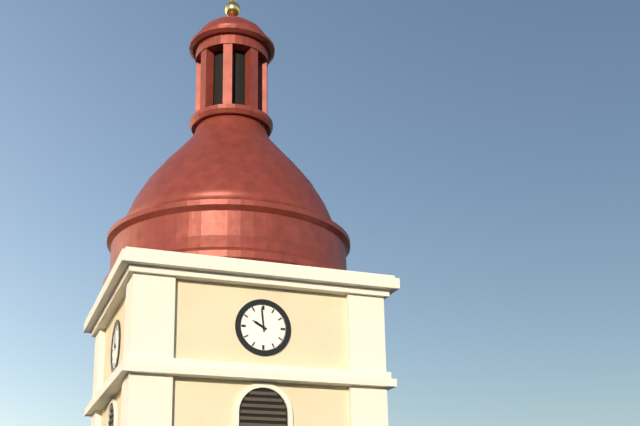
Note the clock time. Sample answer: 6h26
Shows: 9h59
